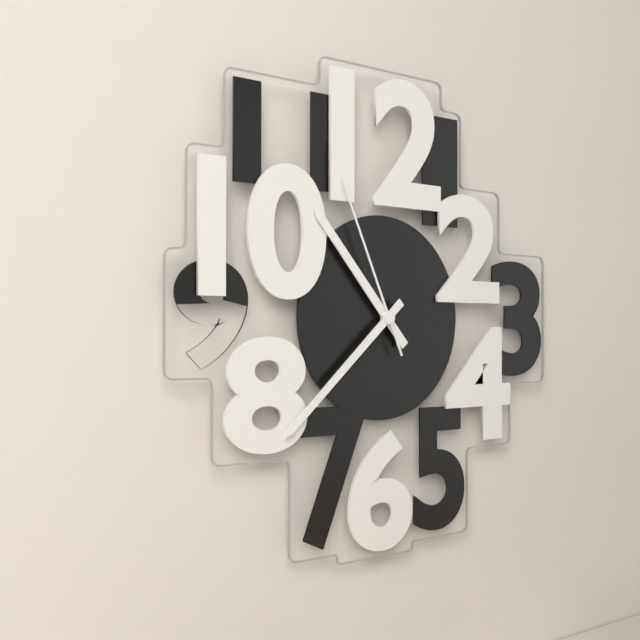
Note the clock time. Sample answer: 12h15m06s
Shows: 10h38m56s
